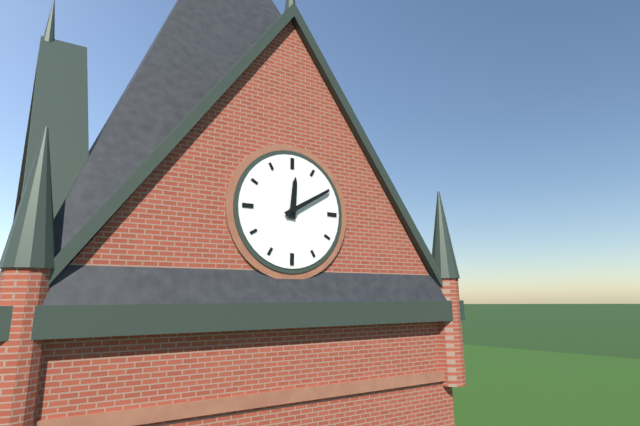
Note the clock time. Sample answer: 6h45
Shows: 12h10
